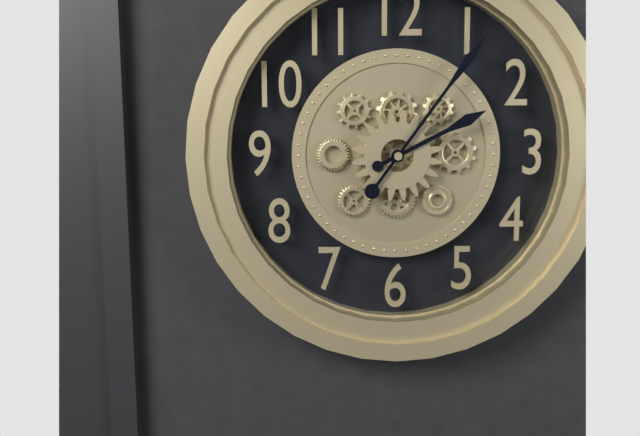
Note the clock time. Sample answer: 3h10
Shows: 2h06
